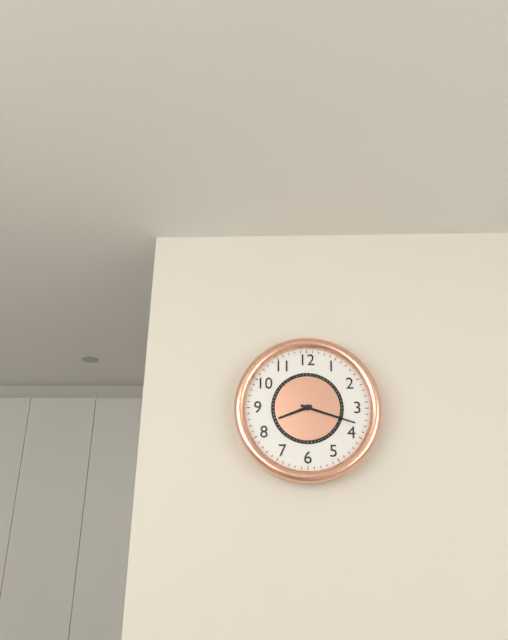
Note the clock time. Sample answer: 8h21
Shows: 8h18
